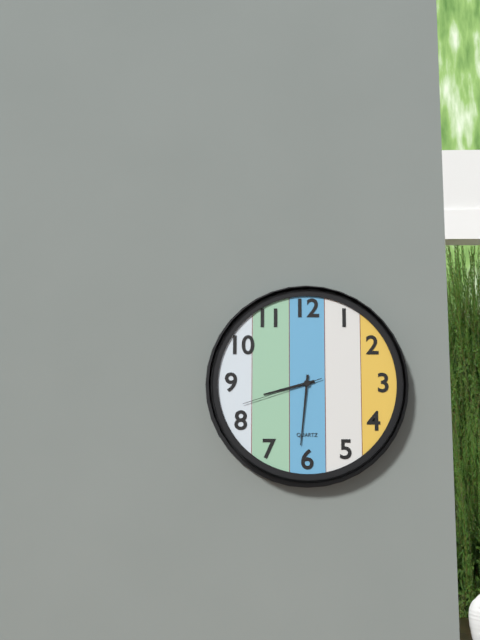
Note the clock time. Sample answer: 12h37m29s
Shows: 8h31m42s
